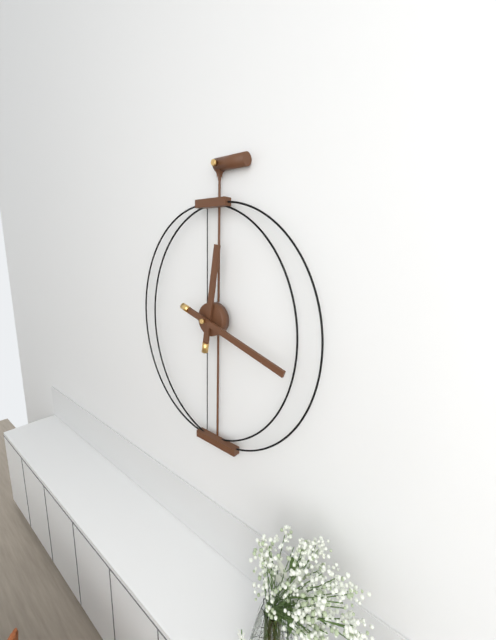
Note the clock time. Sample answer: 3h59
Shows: 12h18
